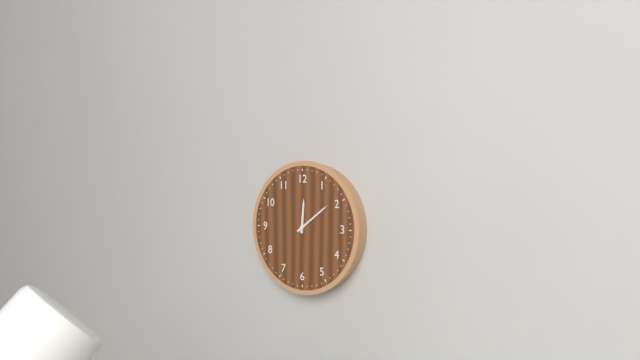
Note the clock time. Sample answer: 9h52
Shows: 12h09
